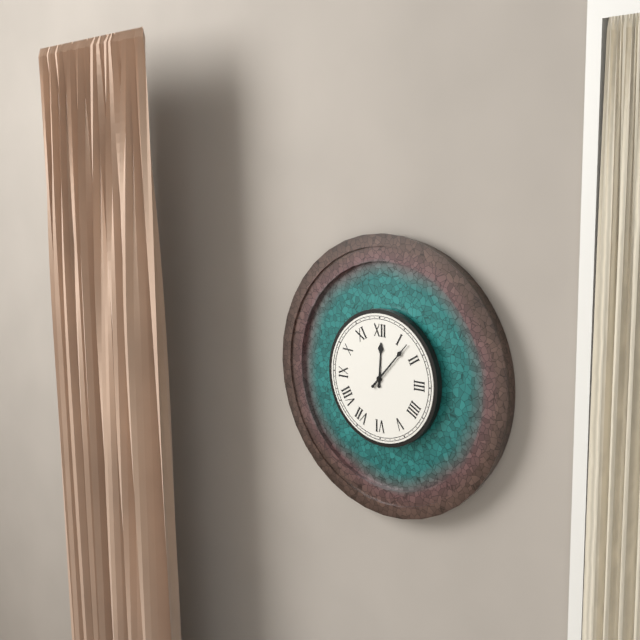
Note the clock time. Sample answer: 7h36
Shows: 12h07
